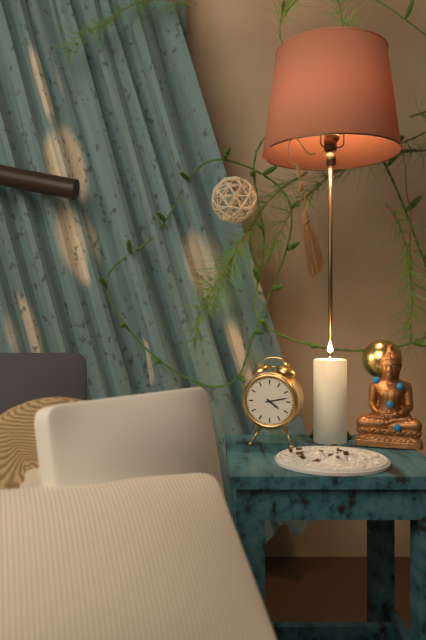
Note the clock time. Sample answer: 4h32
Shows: 4h13
